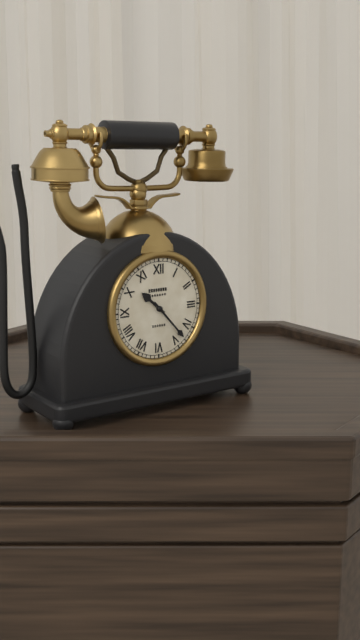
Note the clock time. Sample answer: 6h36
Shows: 10h23
